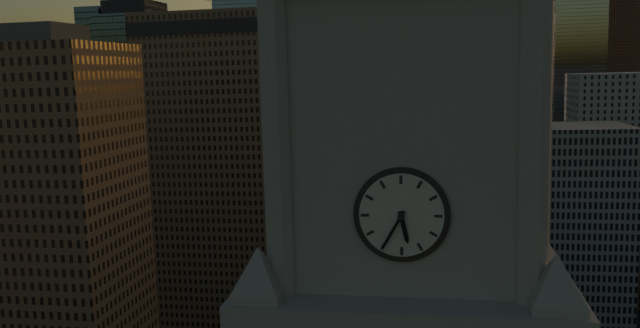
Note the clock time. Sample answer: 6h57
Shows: 5h35
